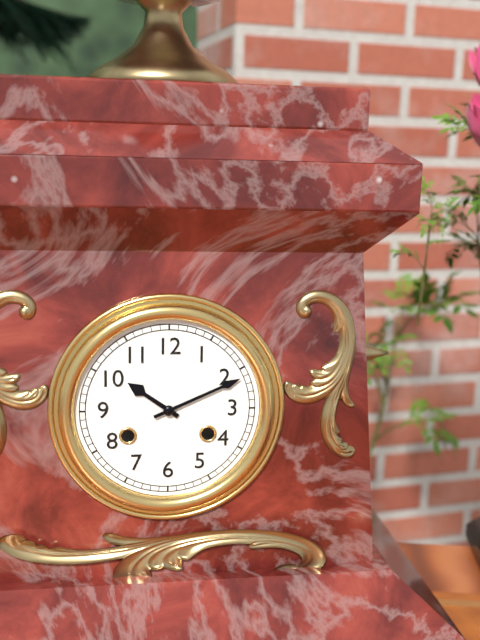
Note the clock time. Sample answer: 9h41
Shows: 10h11
